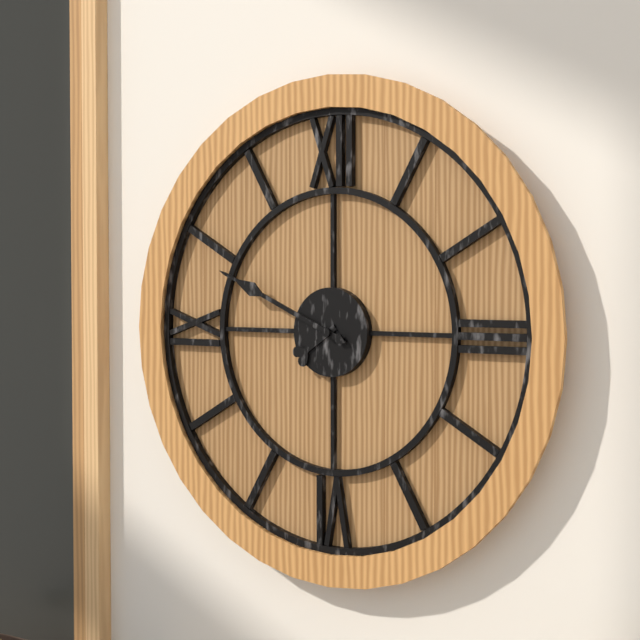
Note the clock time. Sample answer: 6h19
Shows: 7h49
